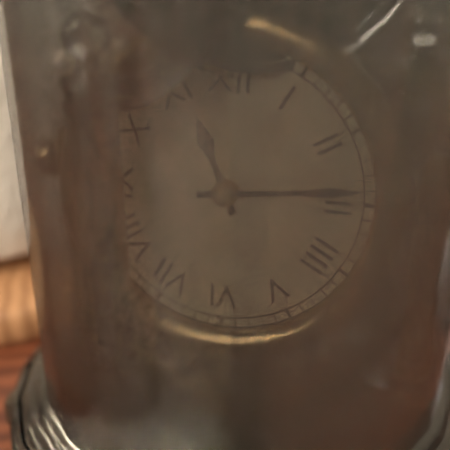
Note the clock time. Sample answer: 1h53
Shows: 11h14
